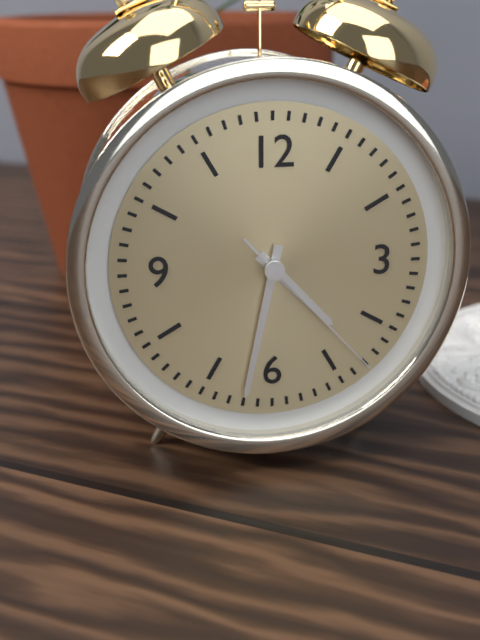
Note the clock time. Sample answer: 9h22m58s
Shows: 4h32m23s
